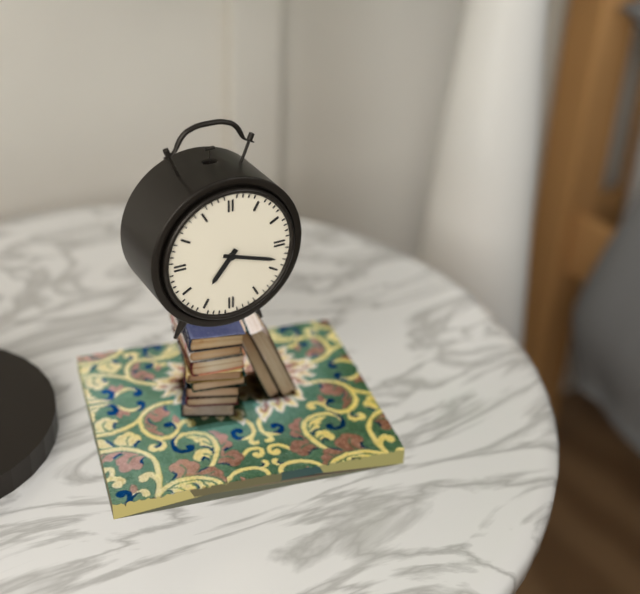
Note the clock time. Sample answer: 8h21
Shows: 7h18
